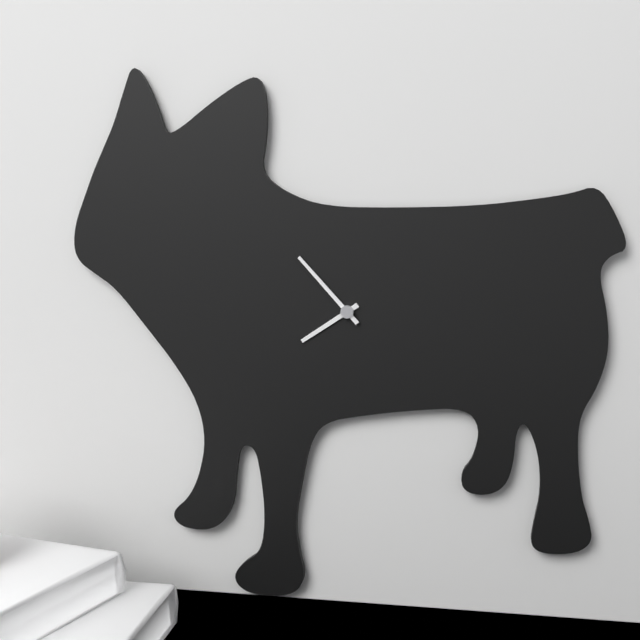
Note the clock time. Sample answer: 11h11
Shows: 7h53
